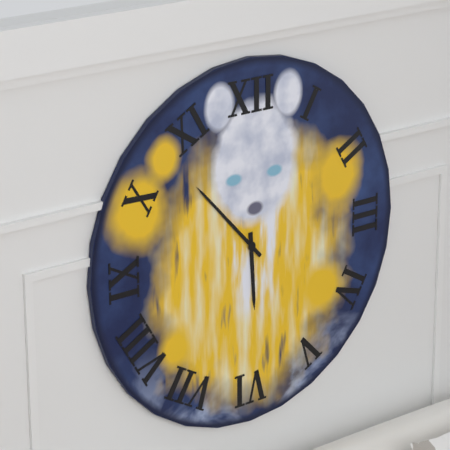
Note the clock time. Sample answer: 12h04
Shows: 5h53
